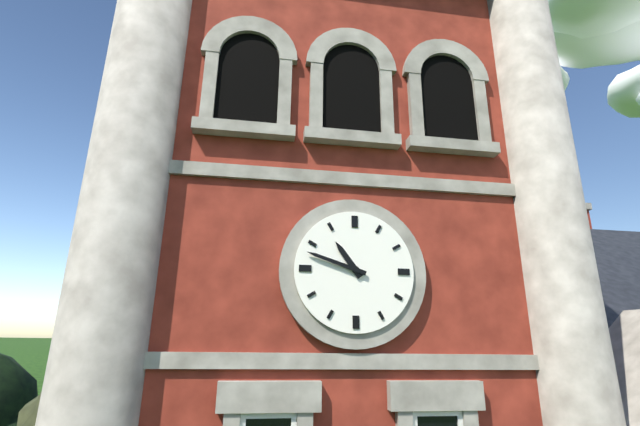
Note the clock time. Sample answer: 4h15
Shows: 10h48
